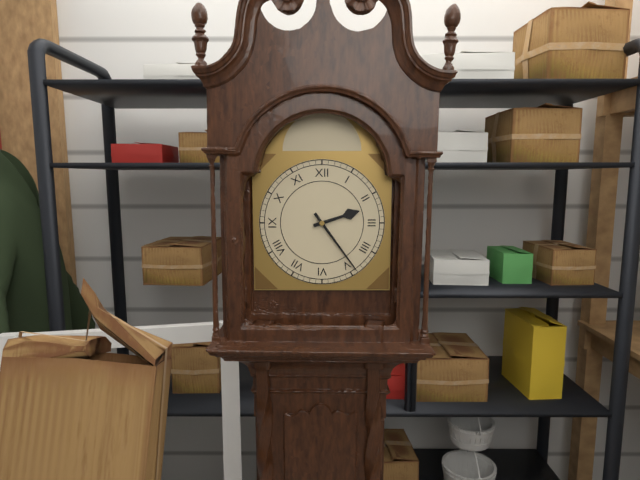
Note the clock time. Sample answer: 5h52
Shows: 2h24
